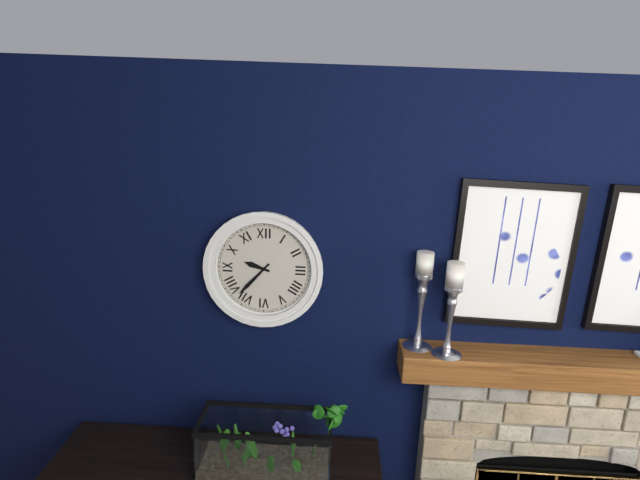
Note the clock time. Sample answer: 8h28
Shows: 9h37
